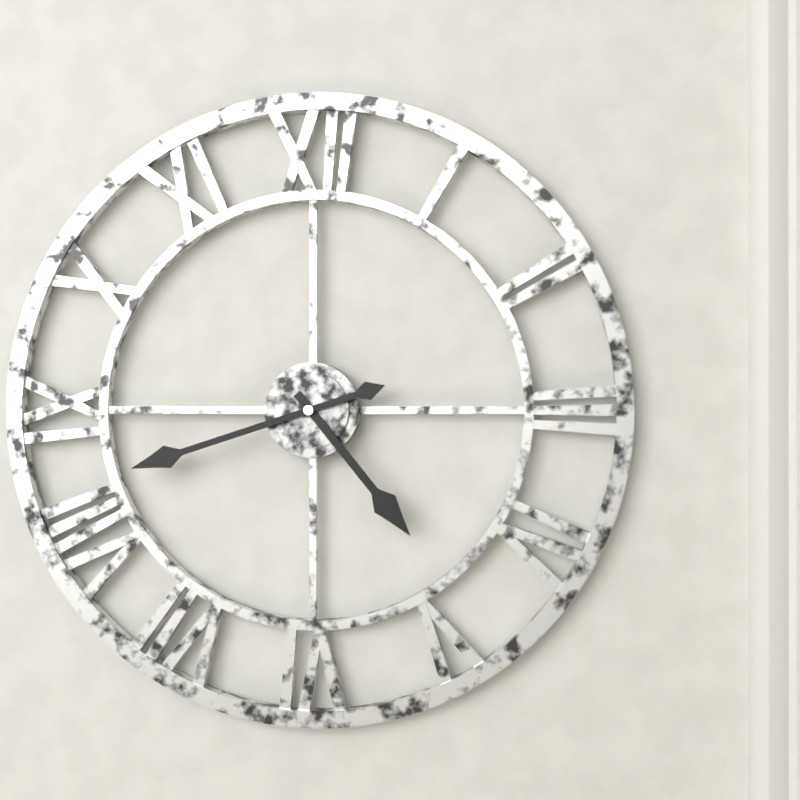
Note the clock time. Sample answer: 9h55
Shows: 4h42
